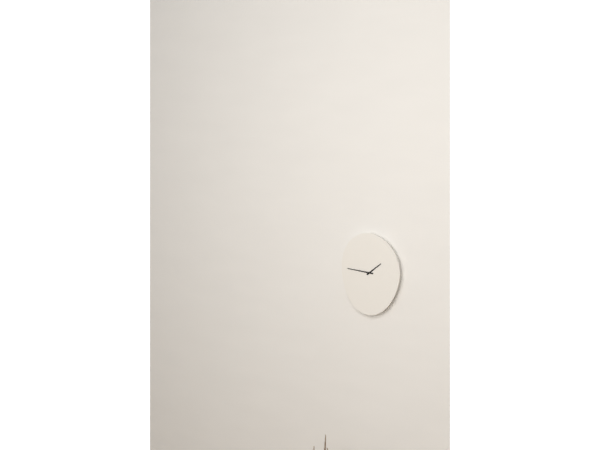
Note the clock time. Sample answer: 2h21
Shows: 1h46
